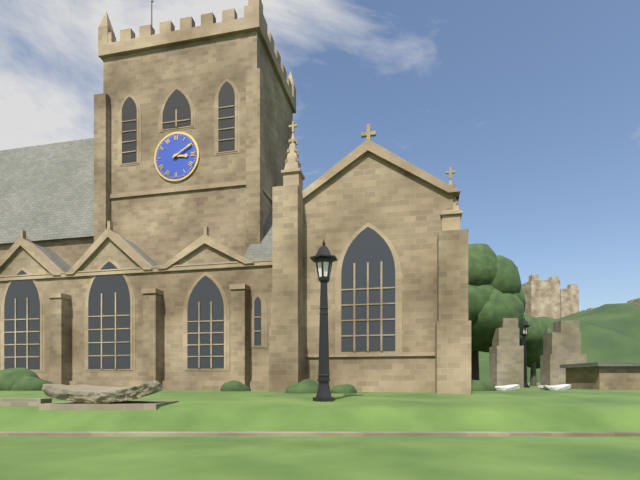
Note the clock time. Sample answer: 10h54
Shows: 3h10
